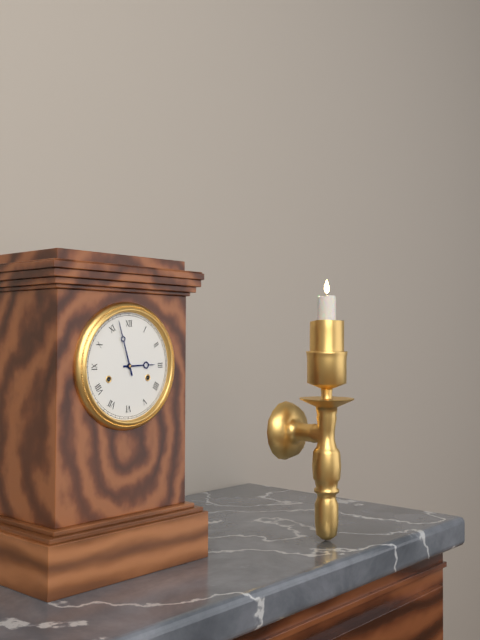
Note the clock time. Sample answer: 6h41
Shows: 2h57
